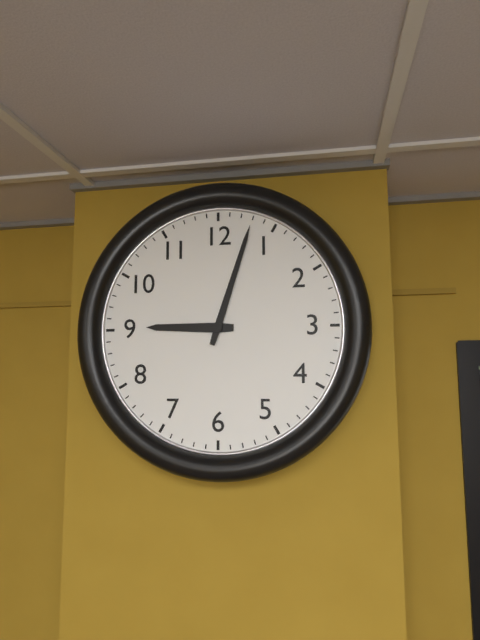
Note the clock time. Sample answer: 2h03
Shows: 9h03
